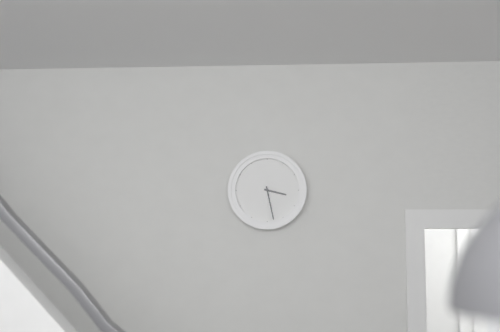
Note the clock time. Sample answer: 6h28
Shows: 3h28
